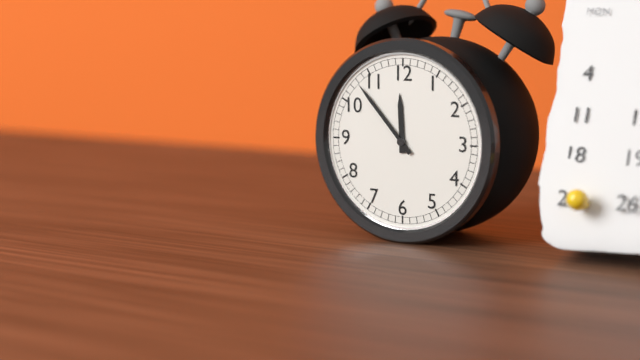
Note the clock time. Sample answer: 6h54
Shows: 11h53
